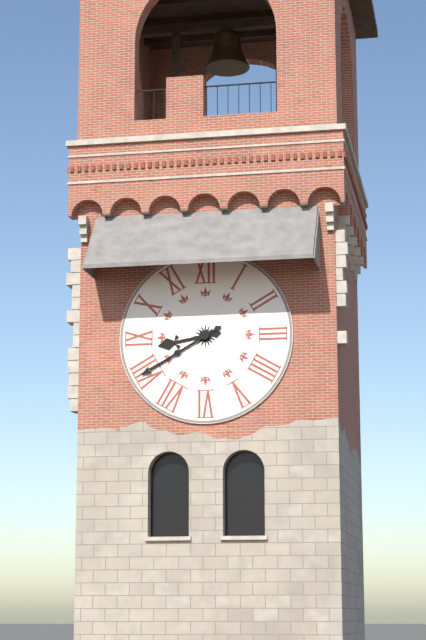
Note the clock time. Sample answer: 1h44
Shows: 8h40
